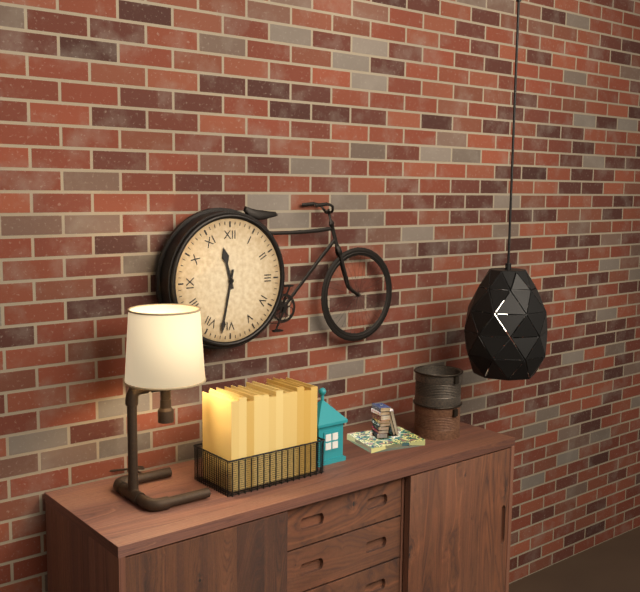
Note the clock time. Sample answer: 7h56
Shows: 11h32
